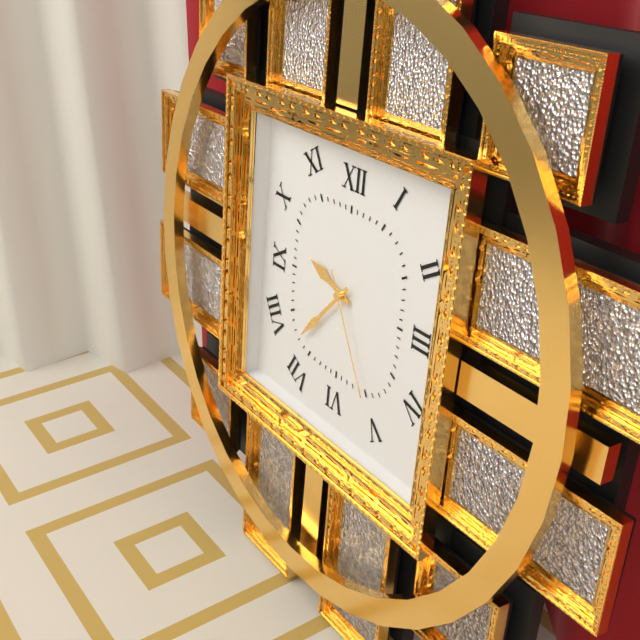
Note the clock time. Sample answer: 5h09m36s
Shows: 9h37m25s
